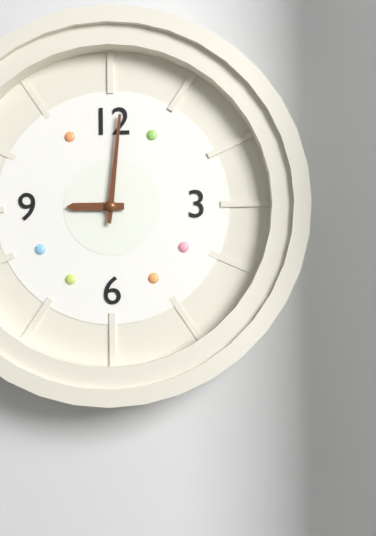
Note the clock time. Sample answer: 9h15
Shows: 9h01
